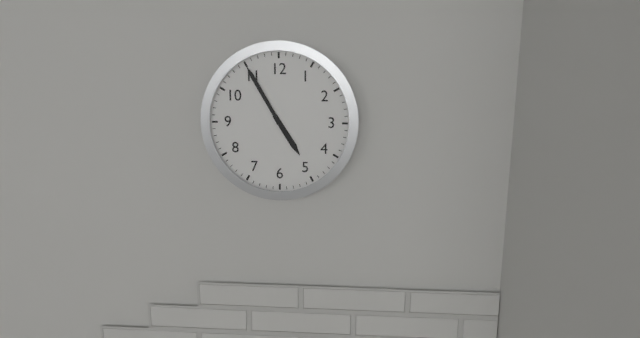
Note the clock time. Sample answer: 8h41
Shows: 4h55
